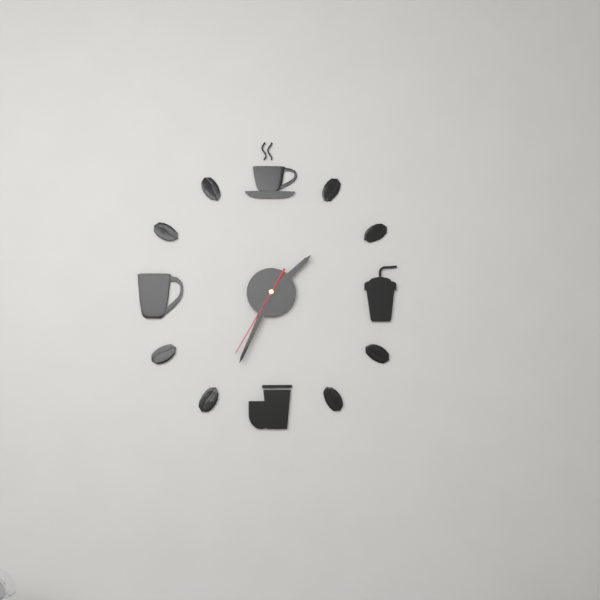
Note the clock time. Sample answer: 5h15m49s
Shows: 1h34m35s
